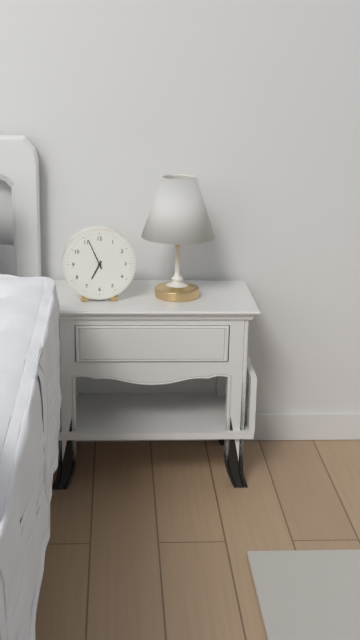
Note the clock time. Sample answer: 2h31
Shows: 6h56
